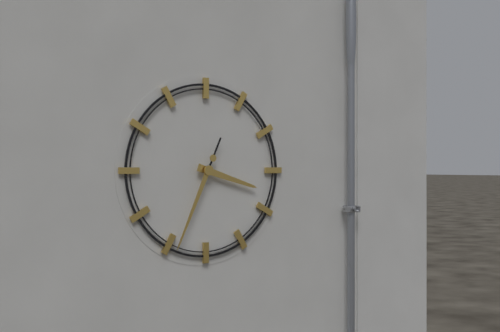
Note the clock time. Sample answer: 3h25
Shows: 3h34
